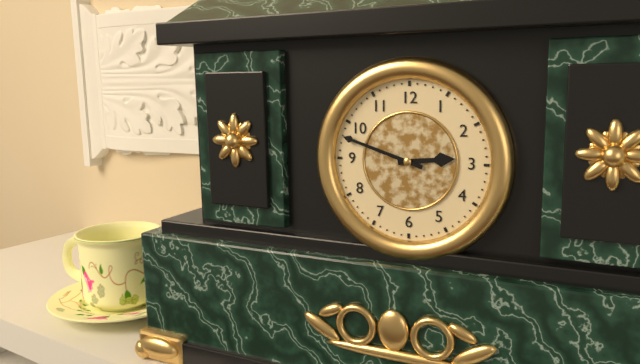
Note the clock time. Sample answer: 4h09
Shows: 2h48
